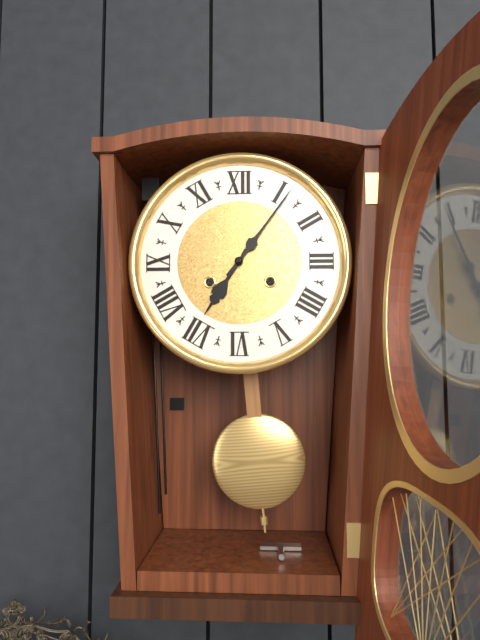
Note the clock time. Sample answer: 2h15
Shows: 7h06
